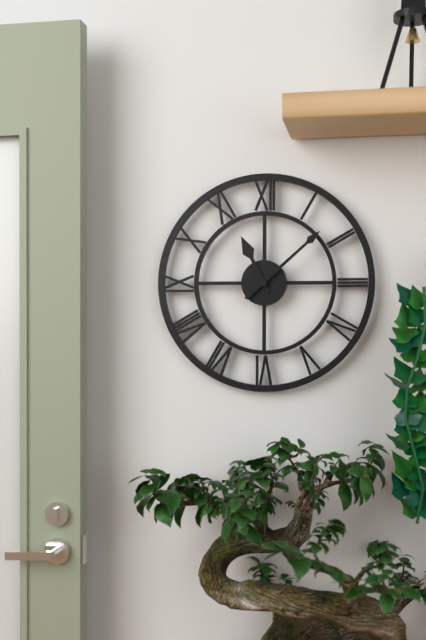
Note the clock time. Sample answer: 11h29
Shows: 11h08
